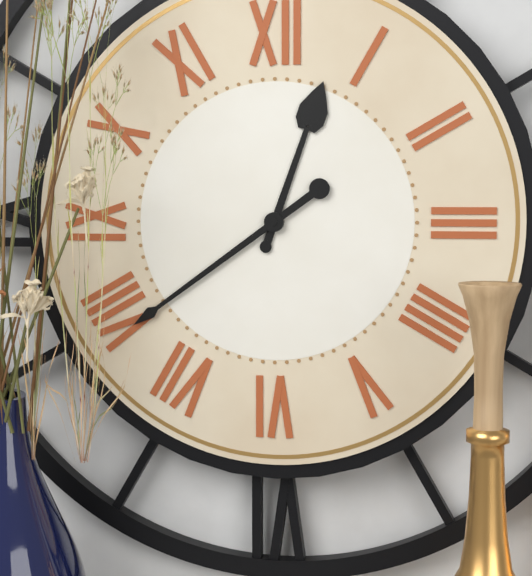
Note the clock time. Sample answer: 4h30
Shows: 12h39
